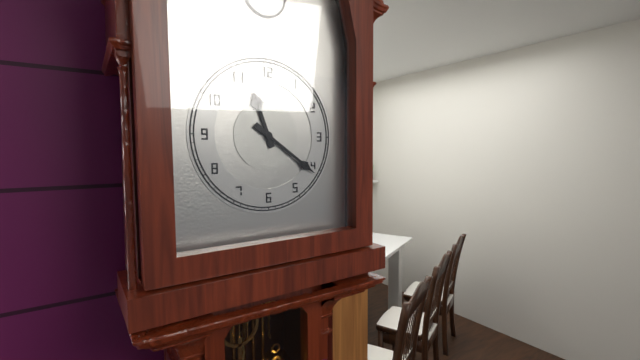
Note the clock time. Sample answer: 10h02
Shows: 11h21
